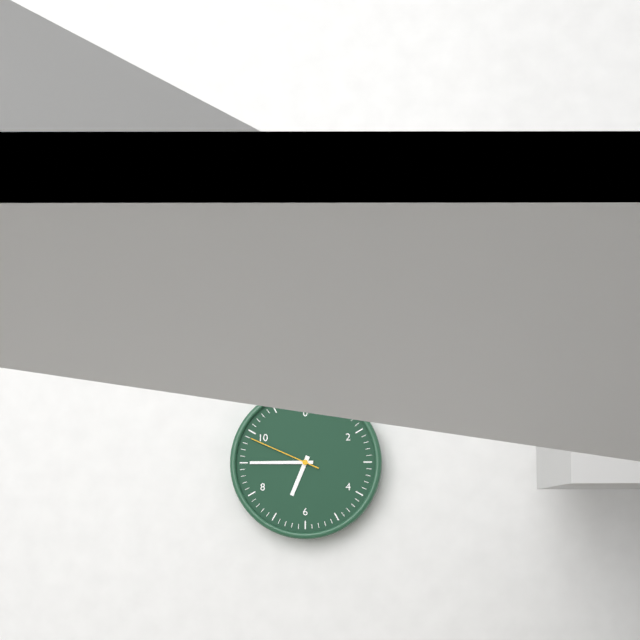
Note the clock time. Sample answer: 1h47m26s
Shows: 6h45m49s
